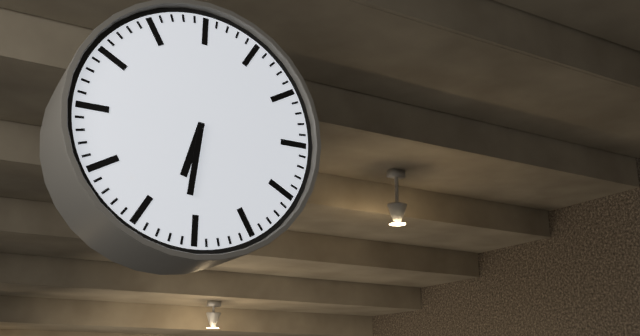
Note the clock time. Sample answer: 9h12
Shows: 6h31
